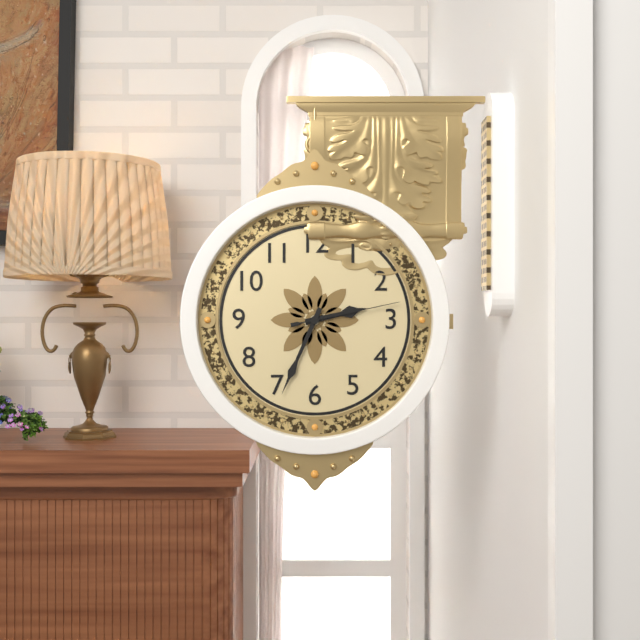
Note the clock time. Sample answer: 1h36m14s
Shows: 2h34m13s
